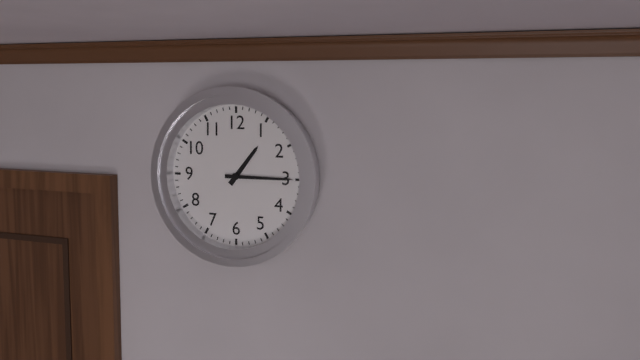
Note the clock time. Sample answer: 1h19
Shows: 1h15
